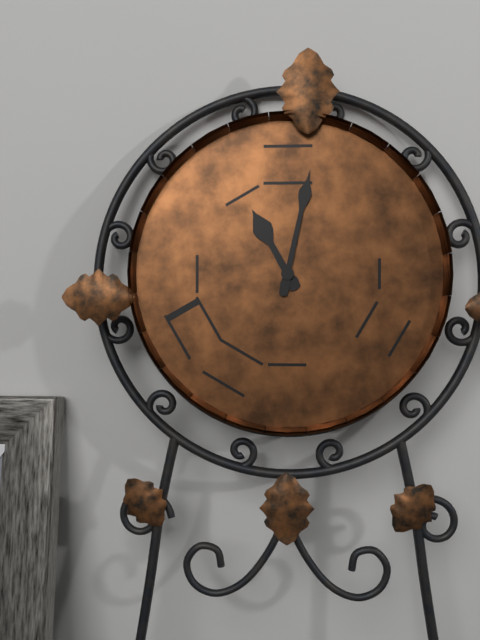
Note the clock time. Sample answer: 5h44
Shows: 11h02
